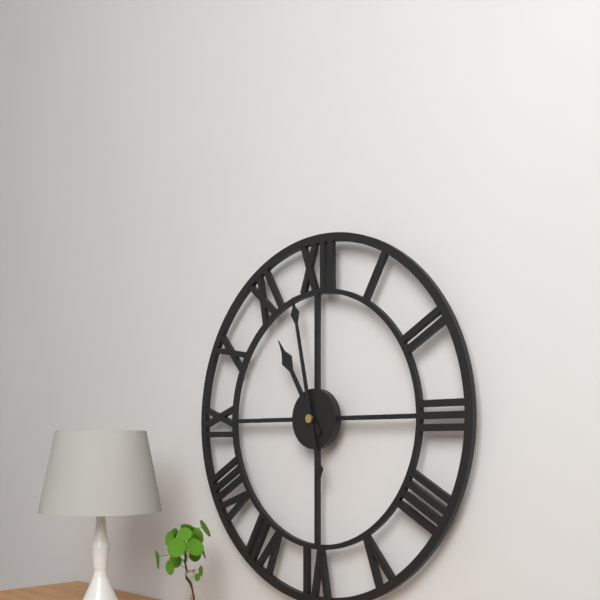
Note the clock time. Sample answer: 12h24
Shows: 10h58
